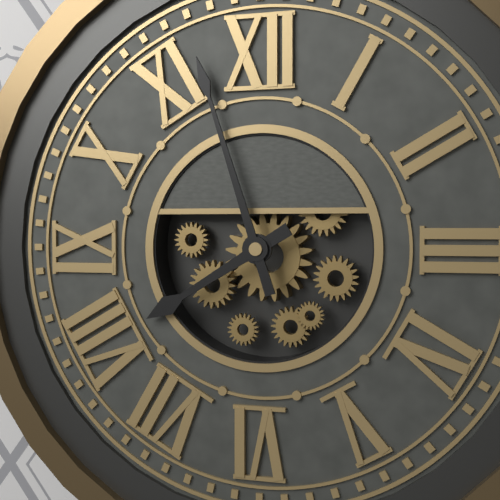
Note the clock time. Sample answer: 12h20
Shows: 7h57
